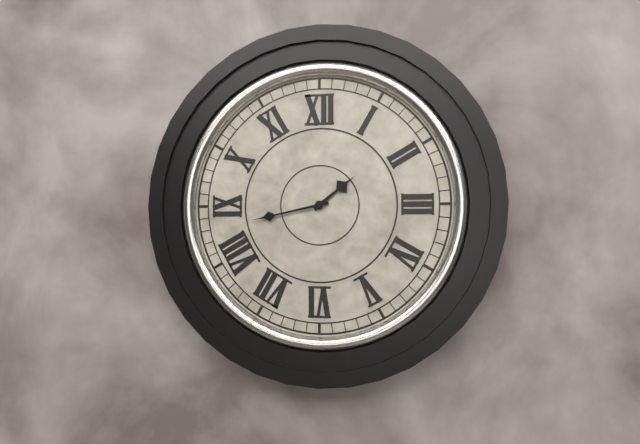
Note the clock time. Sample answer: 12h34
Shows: 1h43
